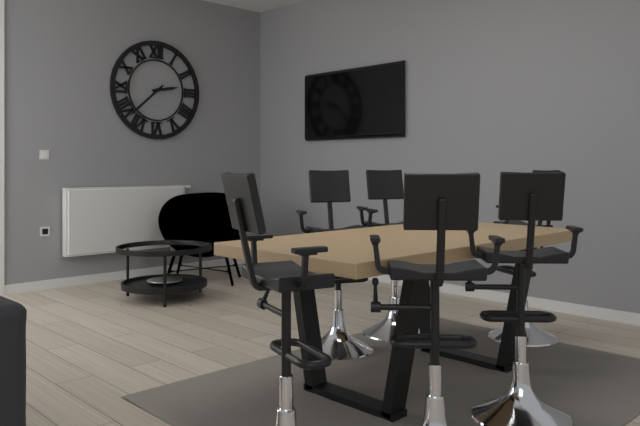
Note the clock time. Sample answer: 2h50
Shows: 2h38
